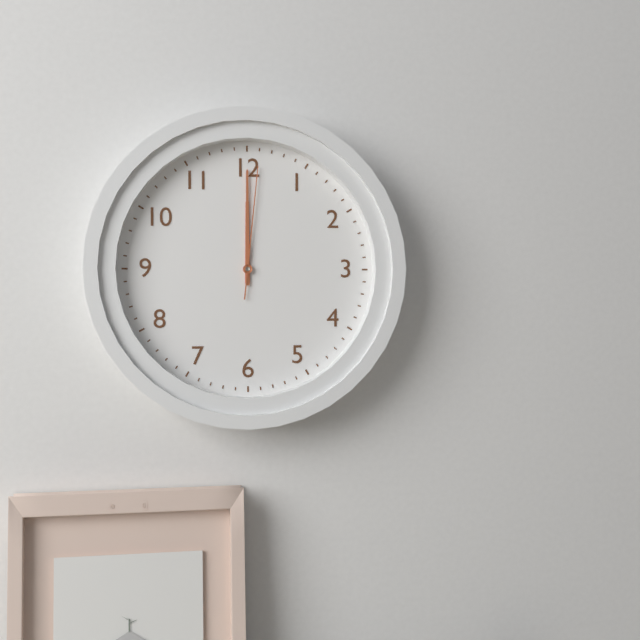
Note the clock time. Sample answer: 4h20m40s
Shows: 12h00m01s
